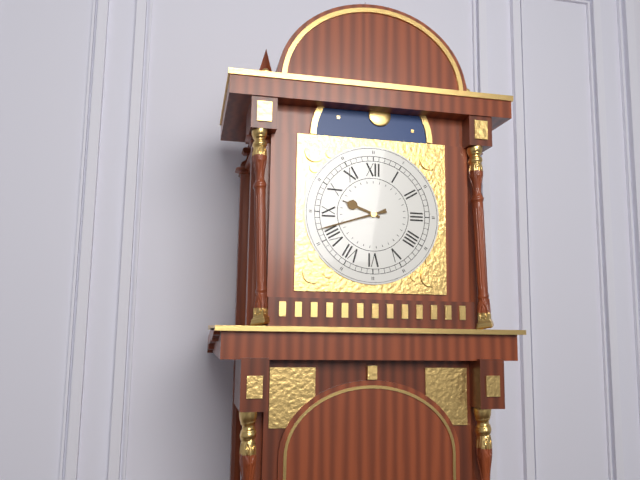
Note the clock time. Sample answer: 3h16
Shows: 9h42
